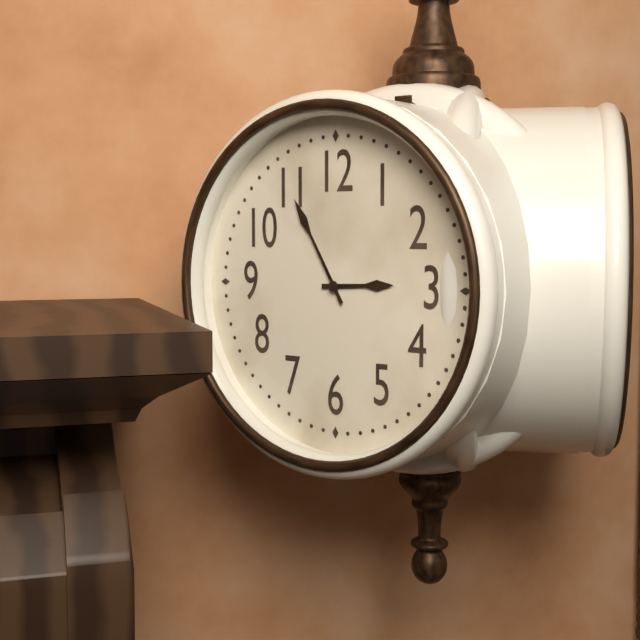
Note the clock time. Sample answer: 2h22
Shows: 2h55
